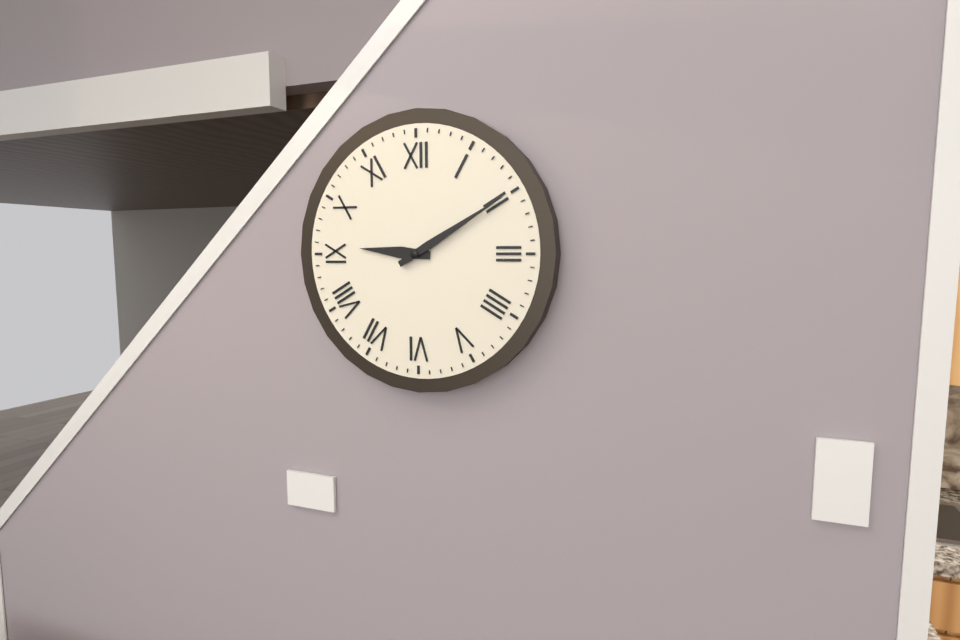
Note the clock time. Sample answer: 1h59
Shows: 9h10
